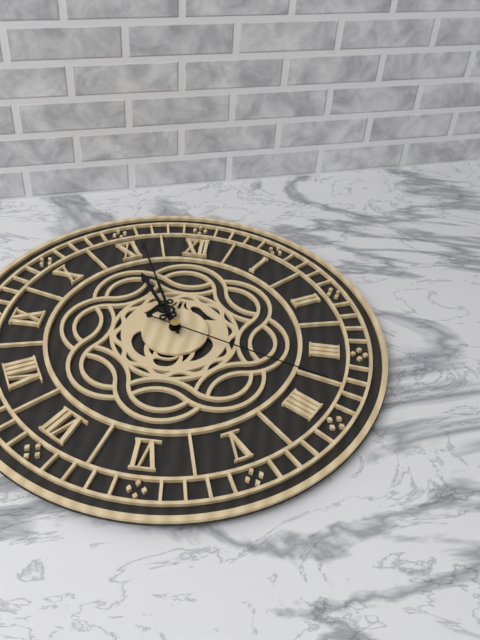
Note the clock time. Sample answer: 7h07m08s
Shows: 10h56m18s
